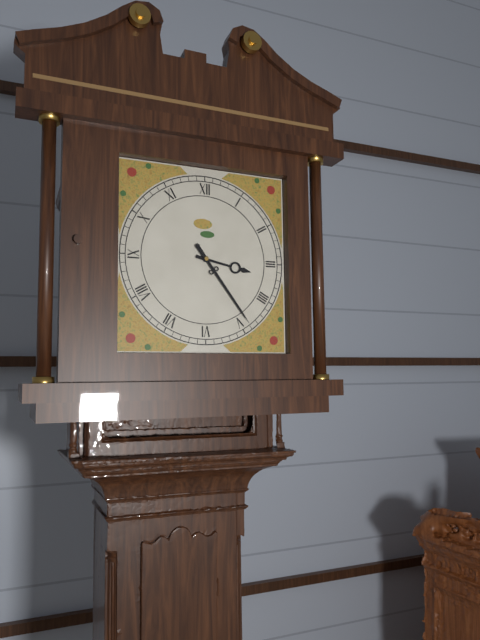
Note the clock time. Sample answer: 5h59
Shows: 3h24
